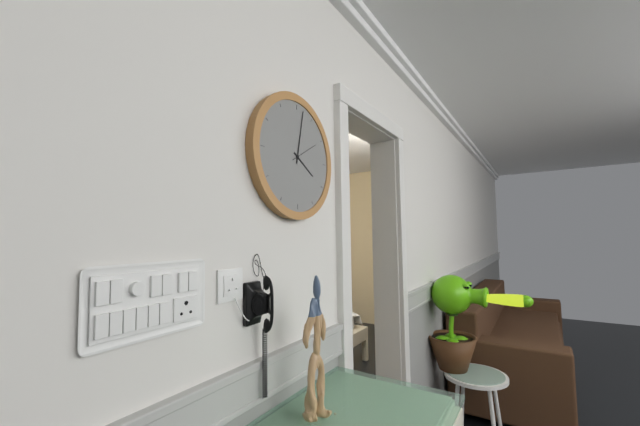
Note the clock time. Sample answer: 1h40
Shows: 4h02
